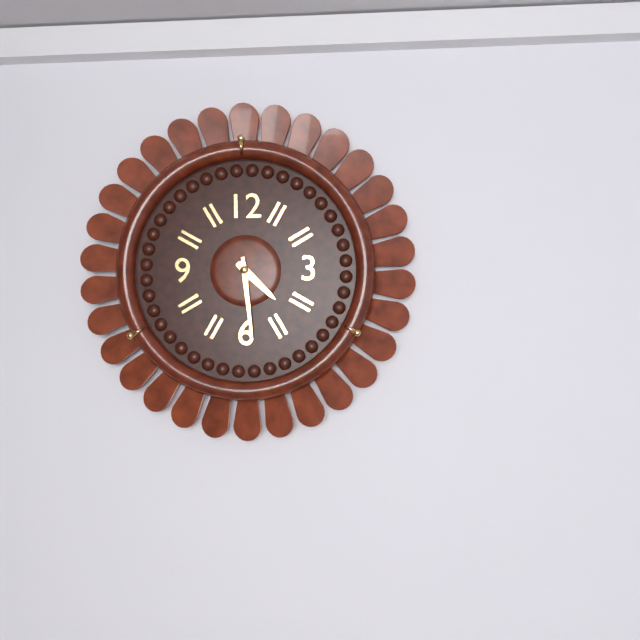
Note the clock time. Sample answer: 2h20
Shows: 4h29
